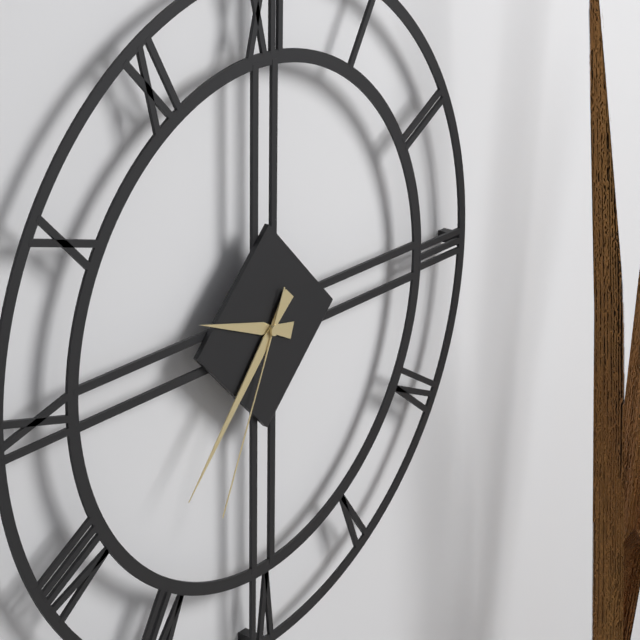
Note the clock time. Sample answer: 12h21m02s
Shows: 9h37m34s
